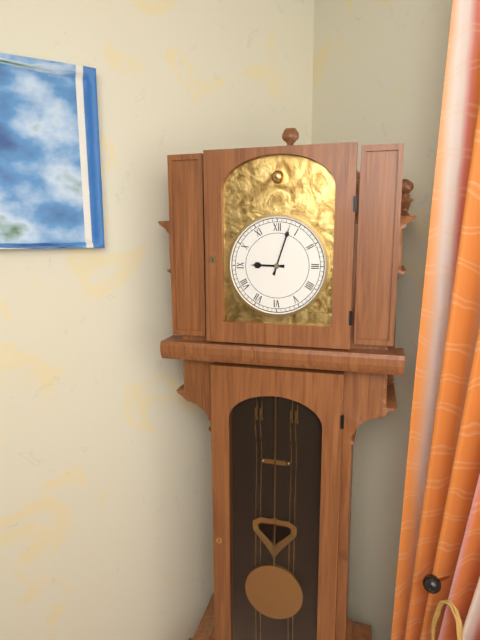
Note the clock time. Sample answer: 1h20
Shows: 9h03
